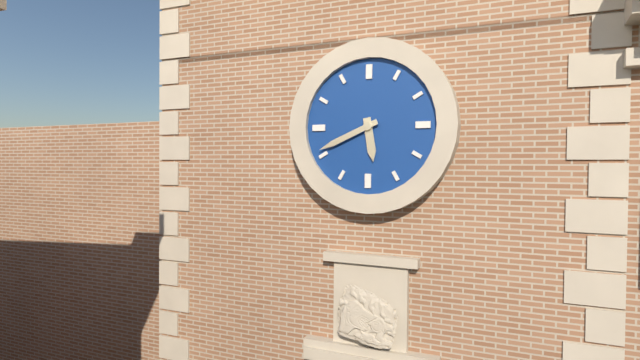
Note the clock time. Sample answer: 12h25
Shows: 5h41
